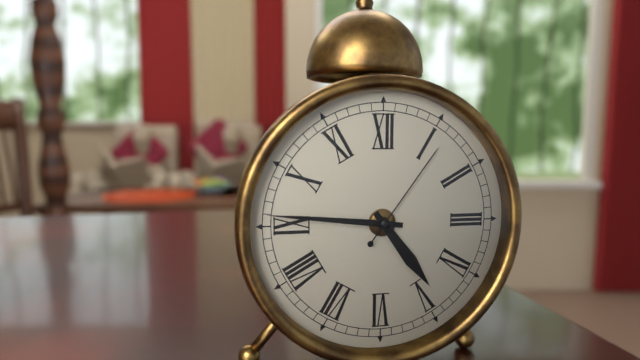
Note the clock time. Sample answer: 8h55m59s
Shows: 4h46m06s
